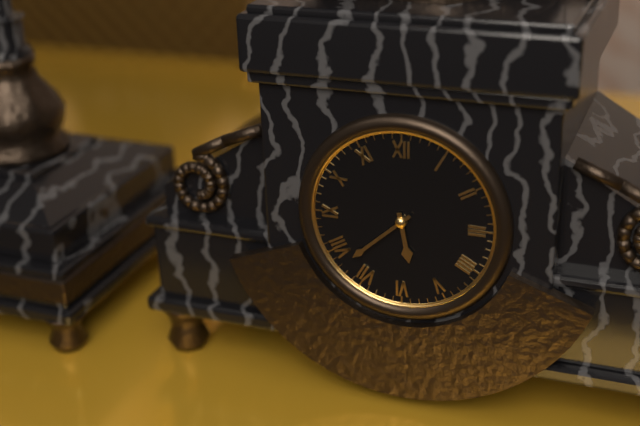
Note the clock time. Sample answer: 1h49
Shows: 5h38
